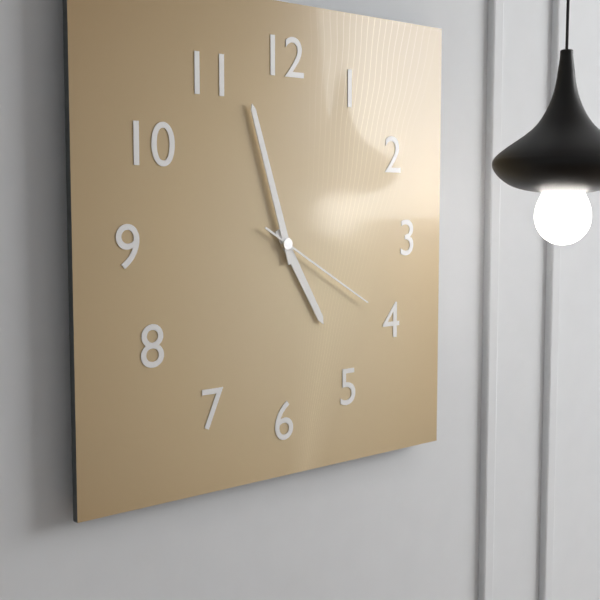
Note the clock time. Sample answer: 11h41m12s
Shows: 4h57m20s
